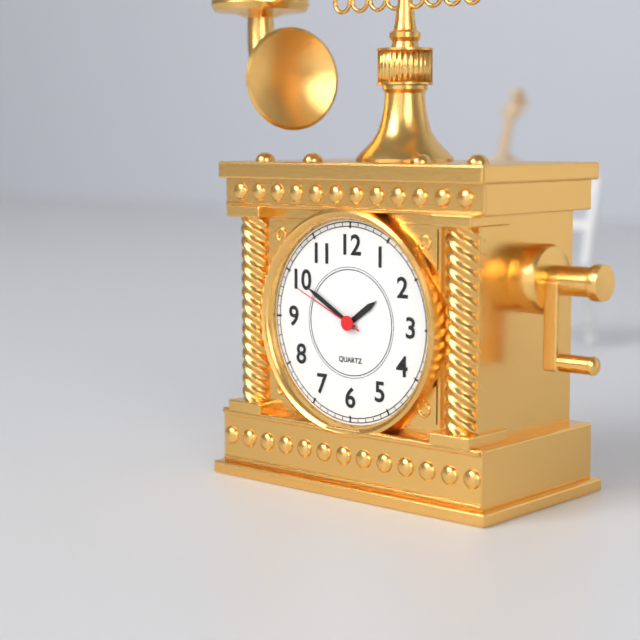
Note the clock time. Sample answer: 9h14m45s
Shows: 1h50m49s
